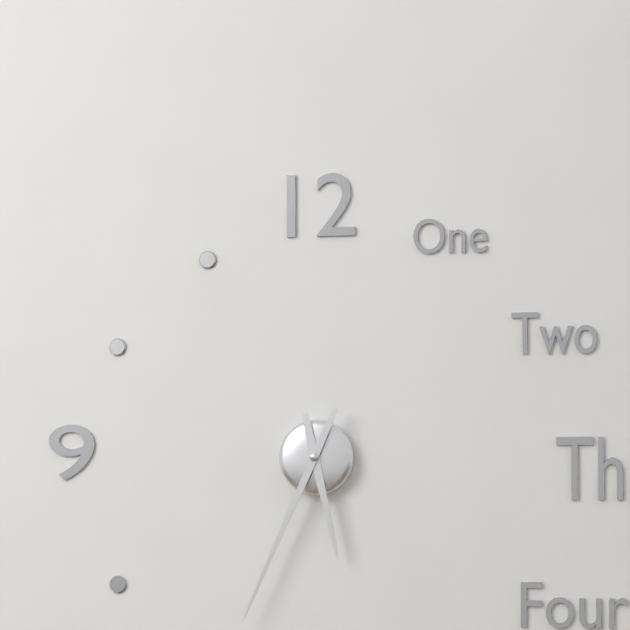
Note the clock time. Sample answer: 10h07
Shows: 5h34
